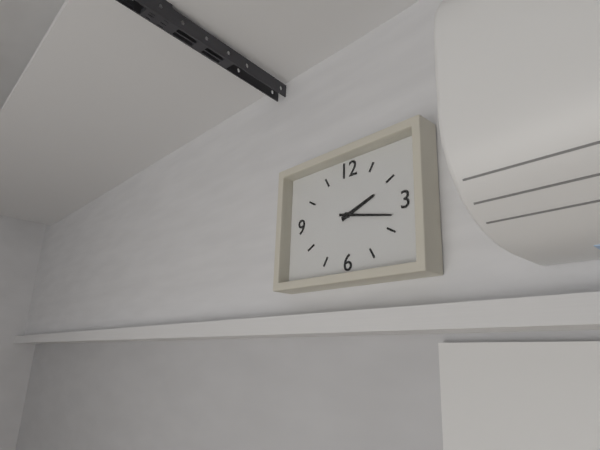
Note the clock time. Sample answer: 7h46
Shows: 2h17
